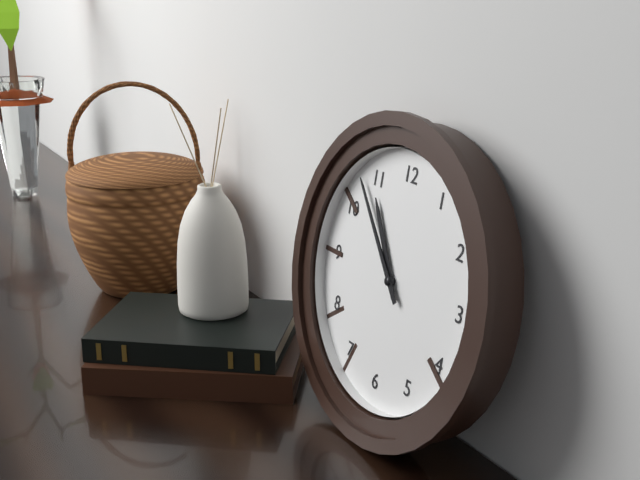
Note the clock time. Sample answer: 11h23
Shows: 10h53
